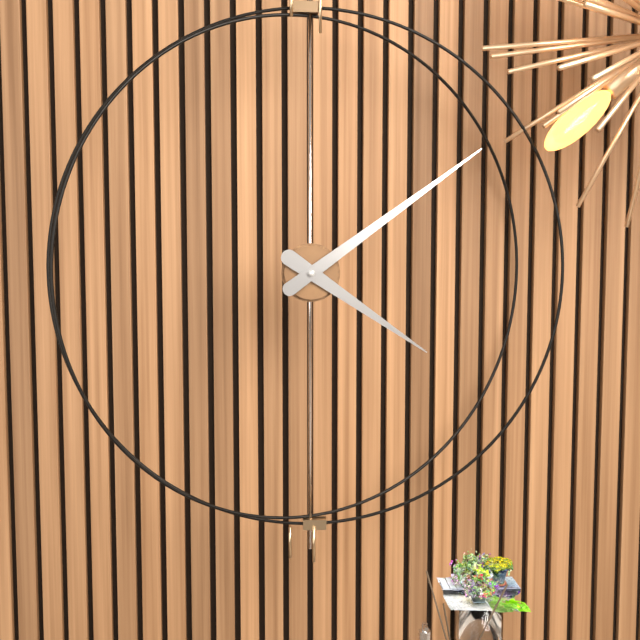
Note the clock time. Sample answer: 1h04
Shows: 4h09
